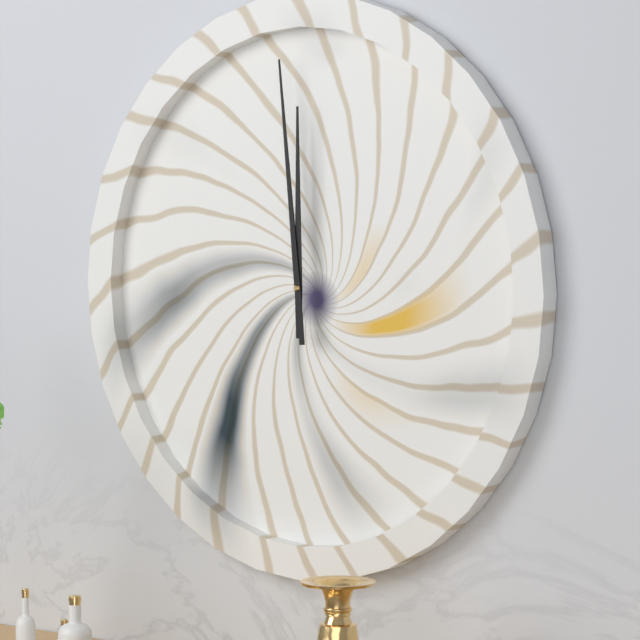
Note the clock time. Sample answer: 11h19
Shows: 11h59
